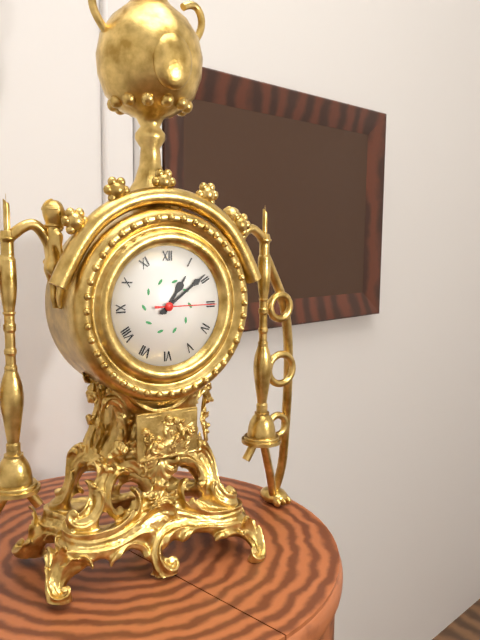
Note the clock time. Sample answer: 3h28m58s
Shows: 1h09m15s
